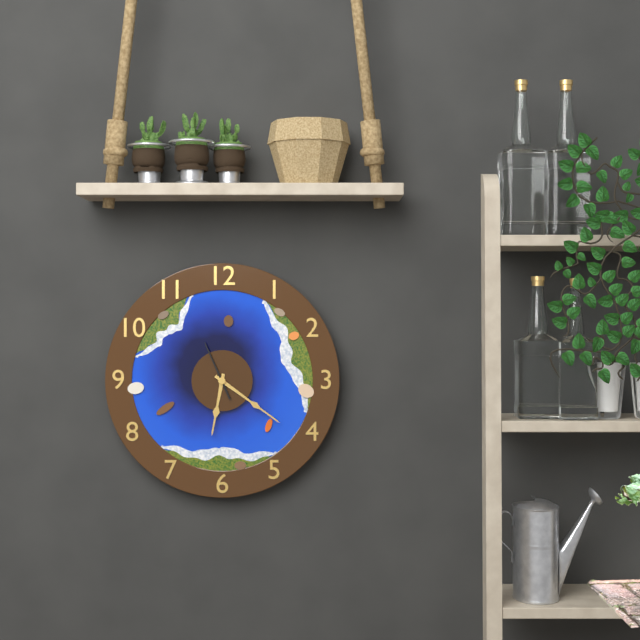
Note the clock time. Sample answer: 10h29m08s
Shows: 6h21m56s
